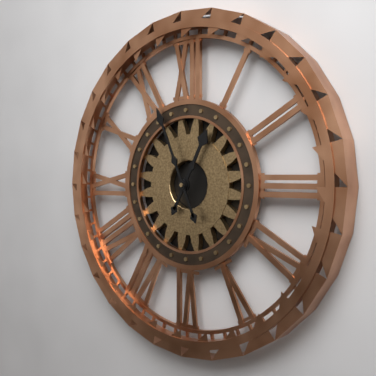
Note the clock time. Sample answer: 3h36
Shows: 12h56
